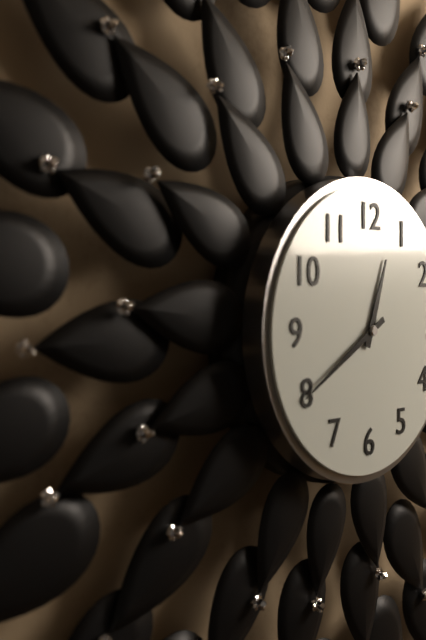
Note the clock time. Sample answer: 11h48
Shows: 12h40
